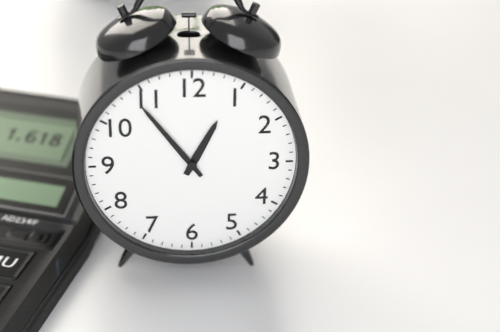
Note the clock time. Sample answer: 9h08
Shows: 12h54
